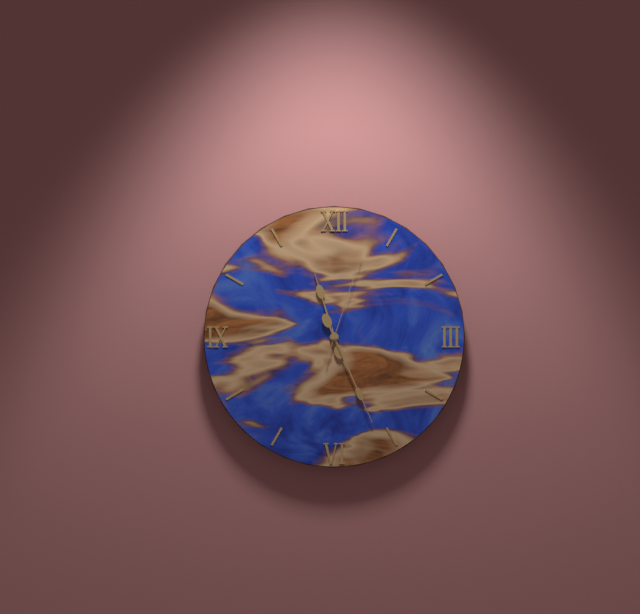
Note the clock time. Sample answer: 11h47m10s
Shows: 11h26m03s
